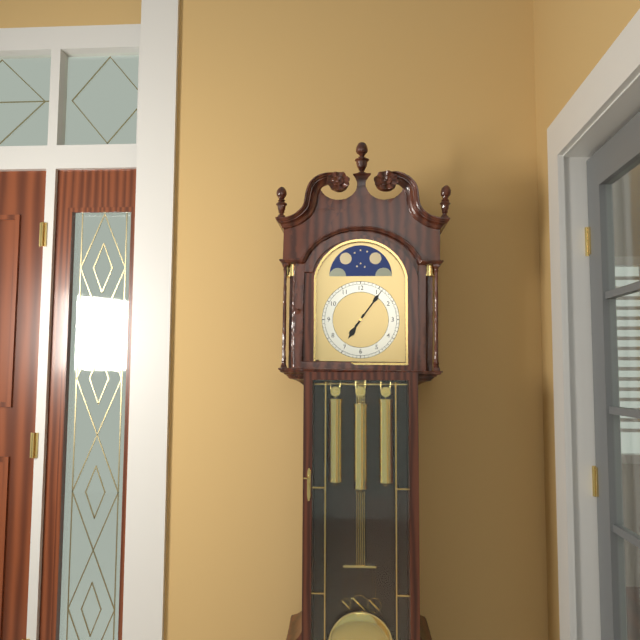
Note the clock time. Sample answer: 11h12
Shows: 7h06
